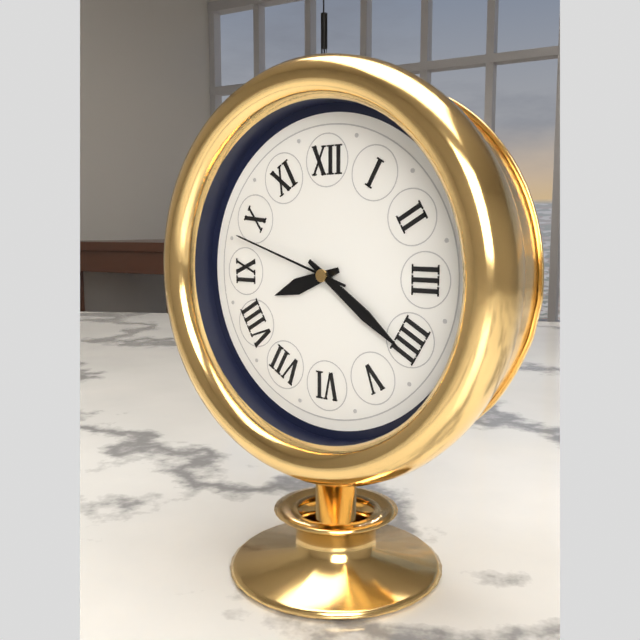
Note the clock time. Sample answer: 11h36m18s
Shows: 8h21m48s
